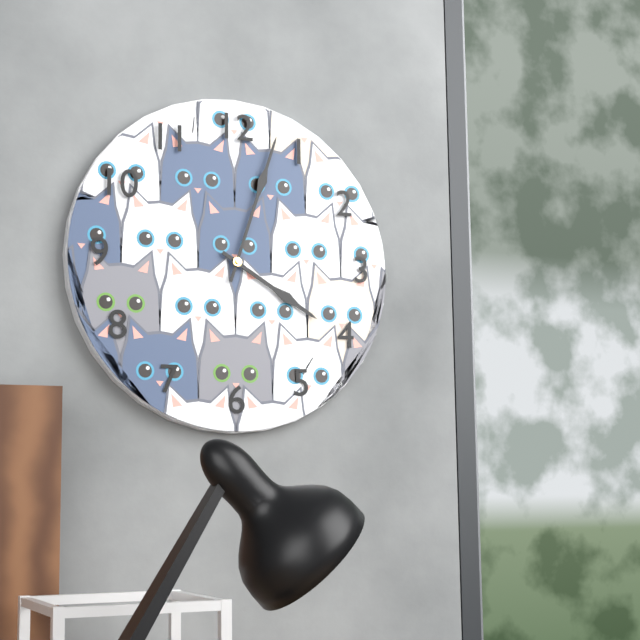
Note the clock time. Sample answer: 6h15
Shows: 4h03
